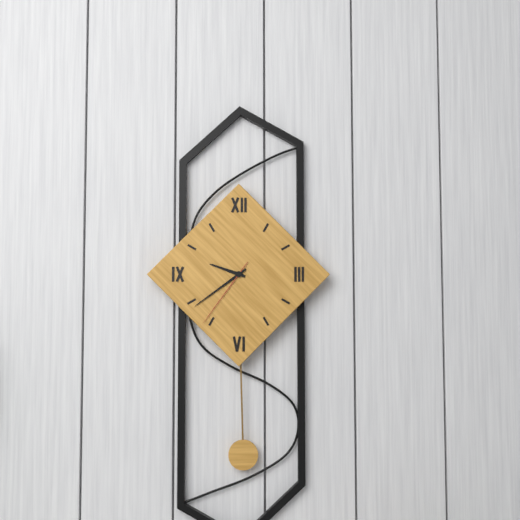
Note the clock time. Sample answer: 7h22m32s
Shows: 9h39m36s
